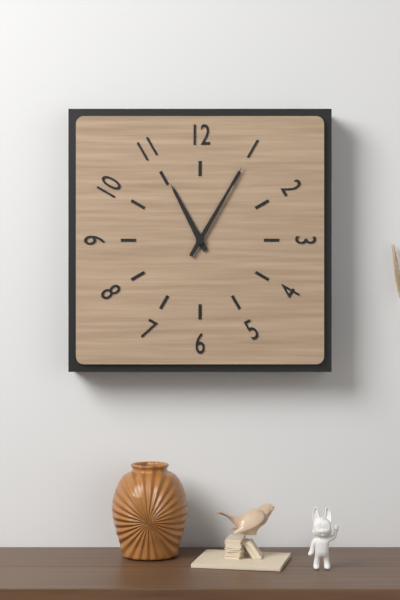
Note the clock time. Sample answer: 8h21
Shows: 11h05
